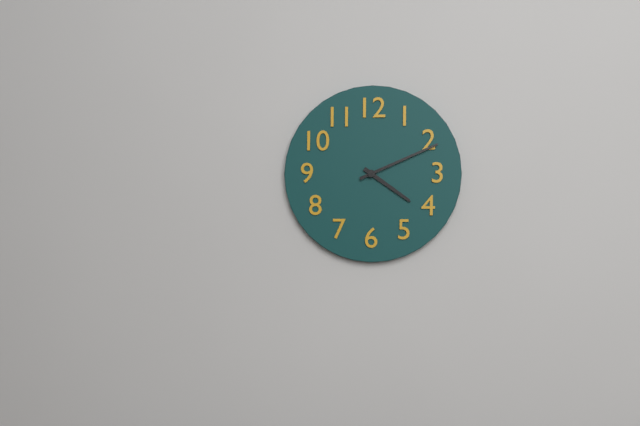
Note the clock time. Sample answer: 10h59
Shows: 4h11
